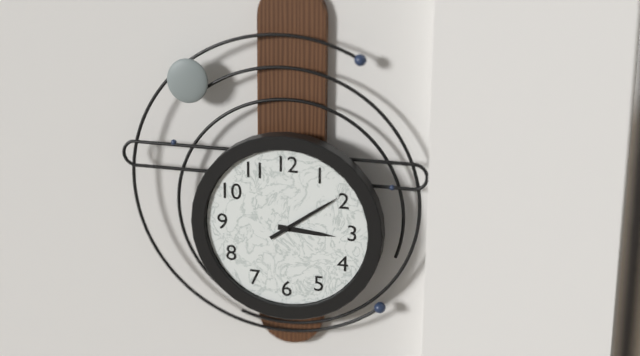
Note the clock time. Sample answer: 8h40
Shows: 3h09
